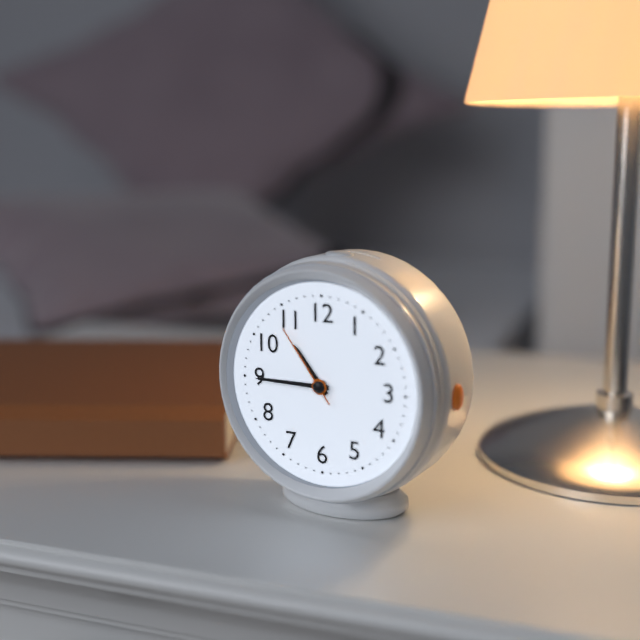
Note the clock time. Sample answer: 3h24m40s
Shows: 10h45m54s
